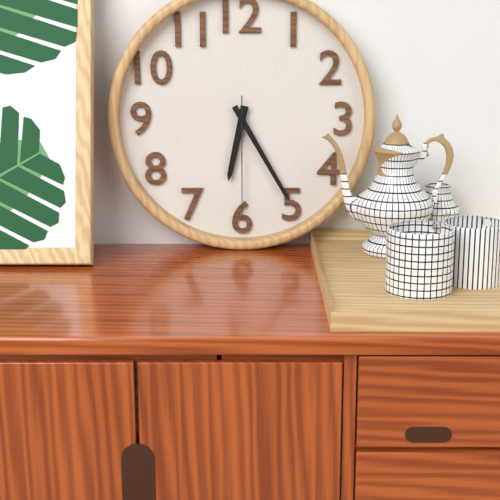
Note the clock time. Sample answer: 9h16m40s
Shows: 6h25m30s
